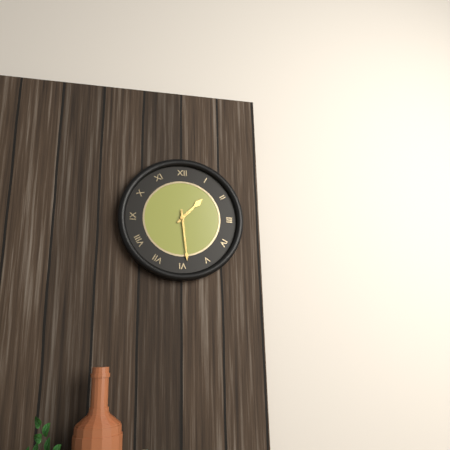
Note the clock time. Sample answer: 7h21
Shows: 1h29
